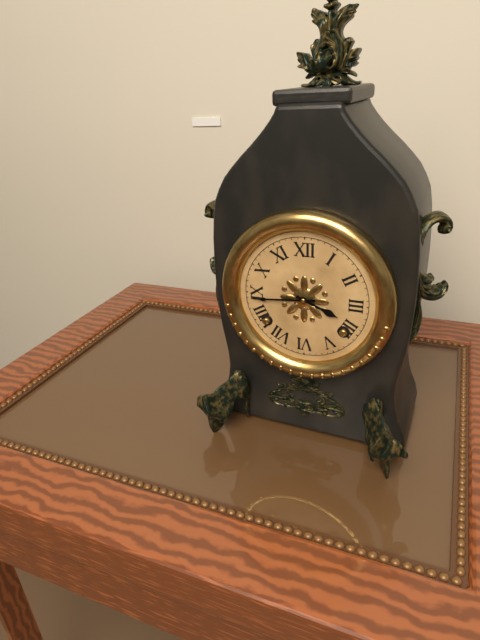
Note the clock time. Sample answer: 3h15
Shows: 3h44
